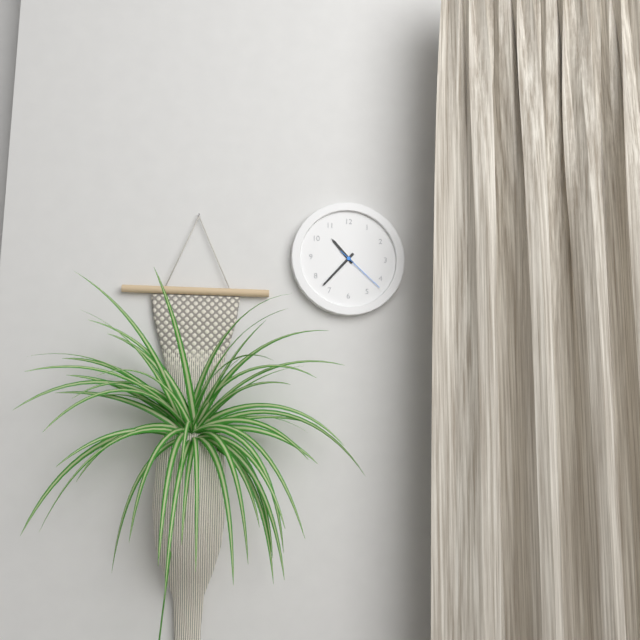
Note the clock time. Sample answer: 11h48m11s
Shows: 10h37m22s
